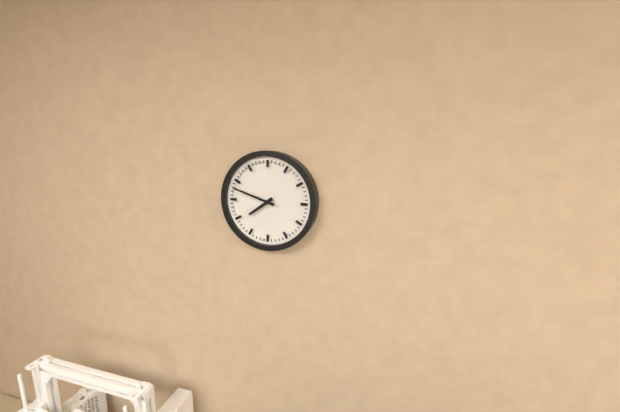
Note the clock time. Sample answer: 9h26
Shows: 7h48
